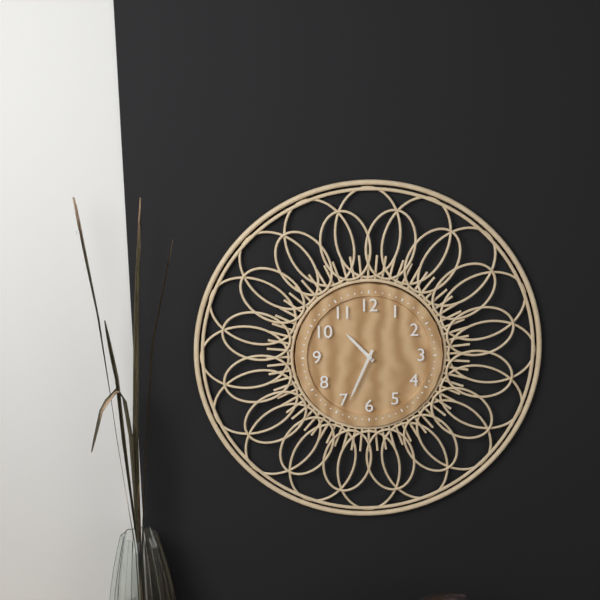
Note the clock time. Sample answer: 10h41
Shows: 10h34
